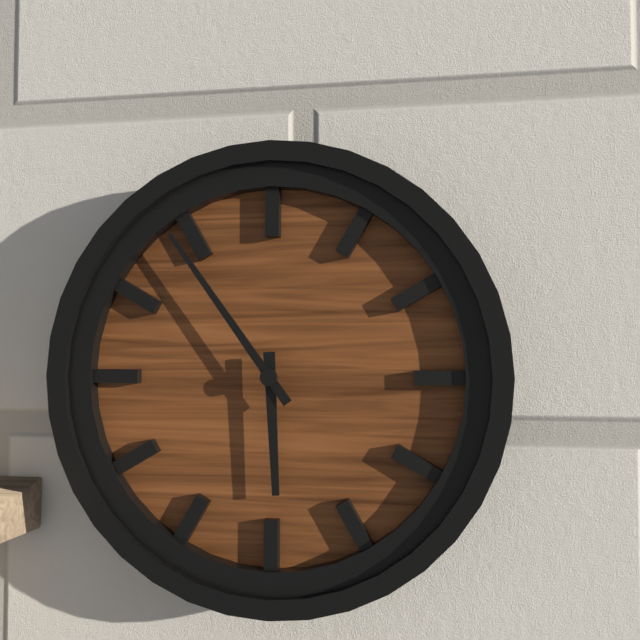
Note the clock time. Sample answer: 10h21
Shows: 5h54
